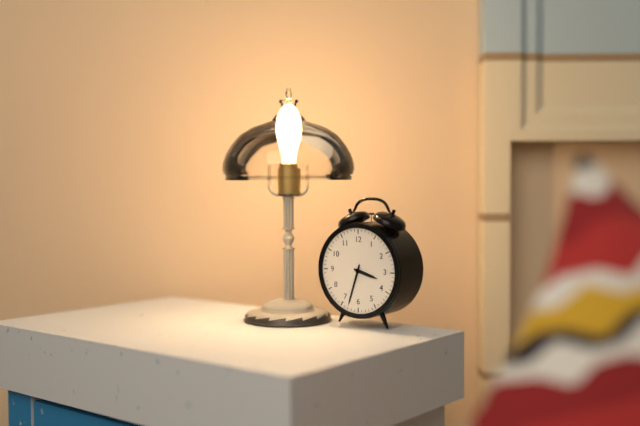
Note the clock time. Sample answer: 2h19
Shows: 3h33
